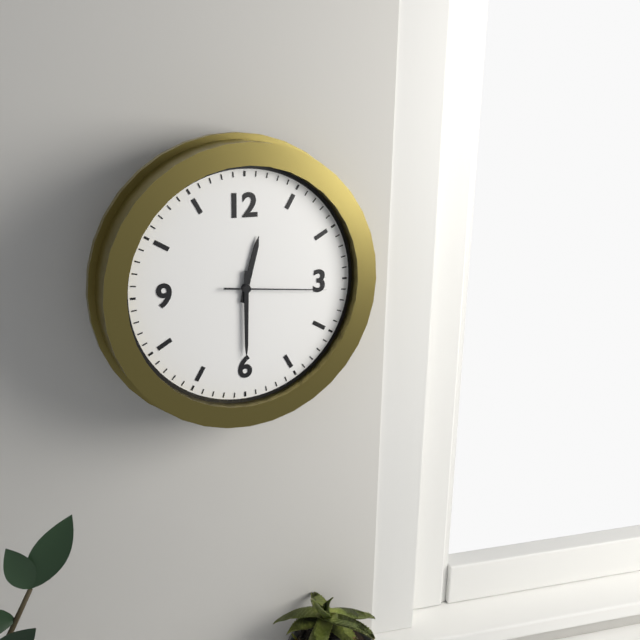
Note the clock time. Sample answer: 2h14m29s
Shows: 12h30m16s
